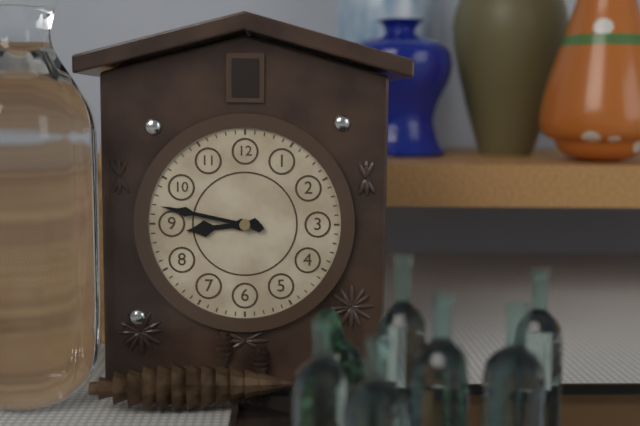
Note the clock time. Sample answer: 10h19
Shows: 8h47
